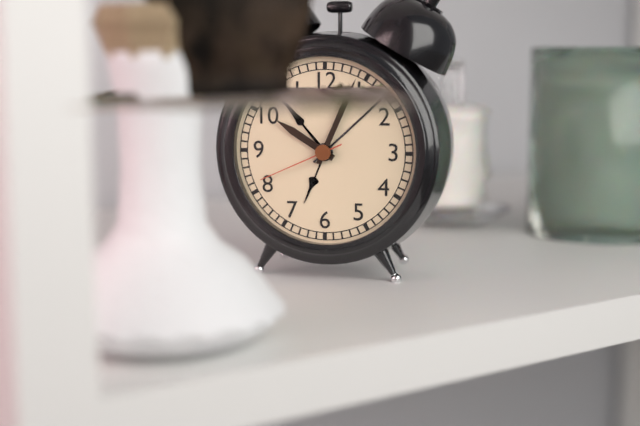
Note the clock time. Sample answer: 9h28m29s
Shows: 10h04m41s
